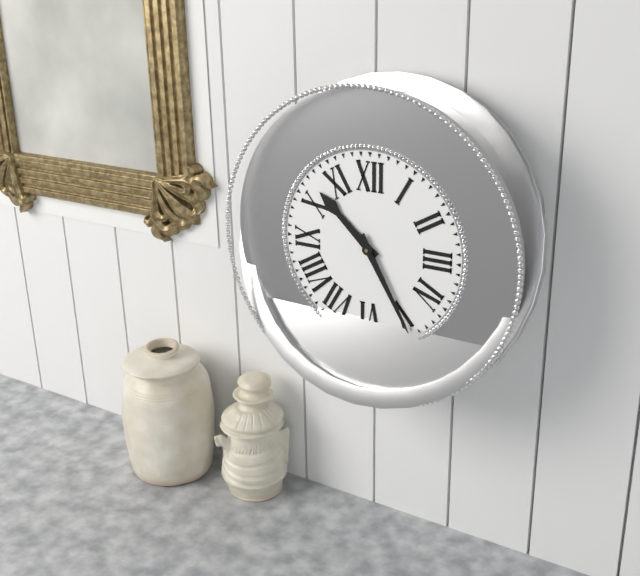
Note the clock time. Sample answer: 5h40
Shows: 10h25
